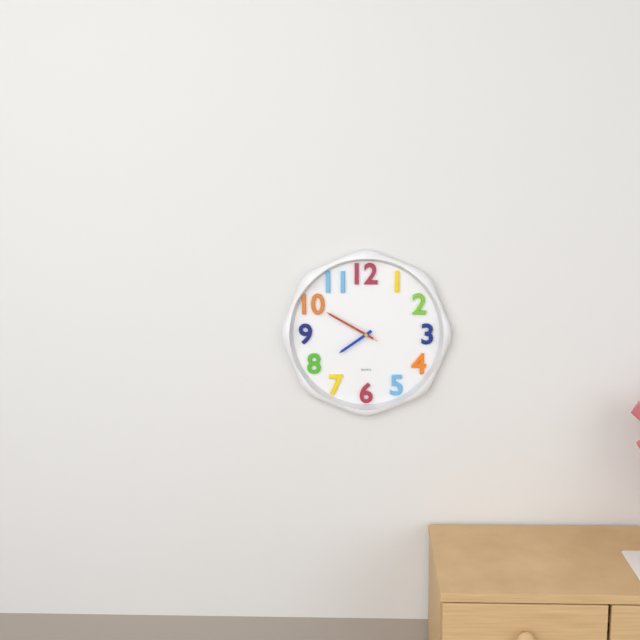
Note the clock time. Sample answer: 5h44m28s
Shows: 7h50m50s
